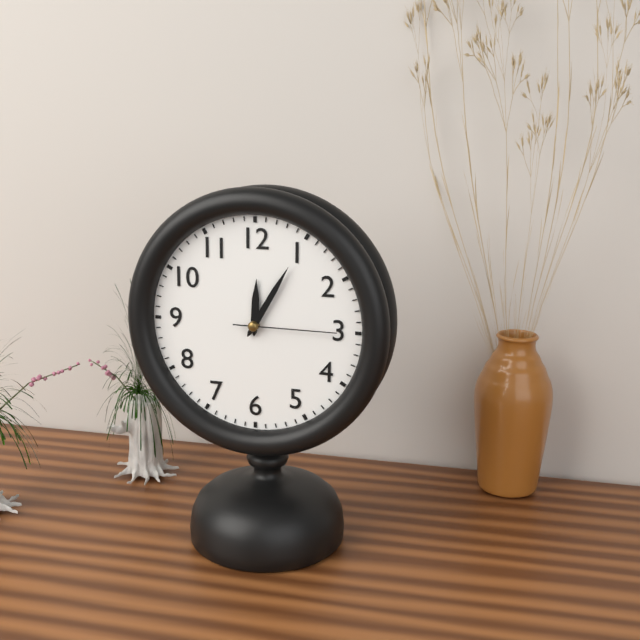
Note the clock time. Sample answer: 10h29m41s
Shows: 12h05m15s
